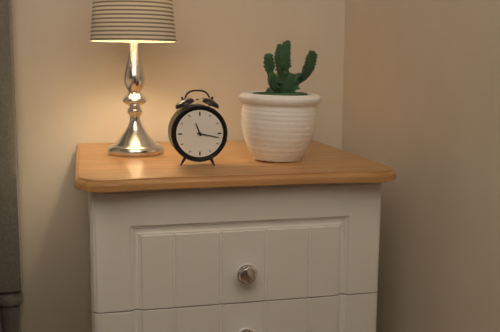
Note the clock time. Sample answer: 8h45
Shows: 11h17
